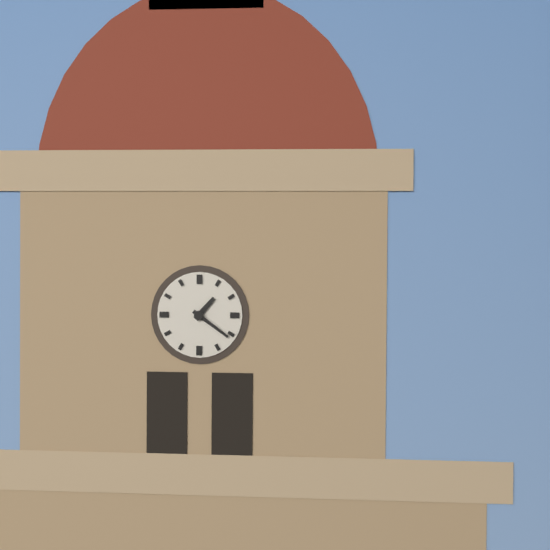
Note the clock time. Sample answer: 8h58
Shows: 1h21
